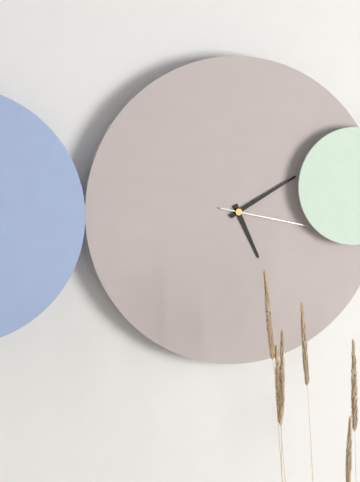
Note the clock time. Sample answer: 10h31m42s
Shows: 5h10m17s
